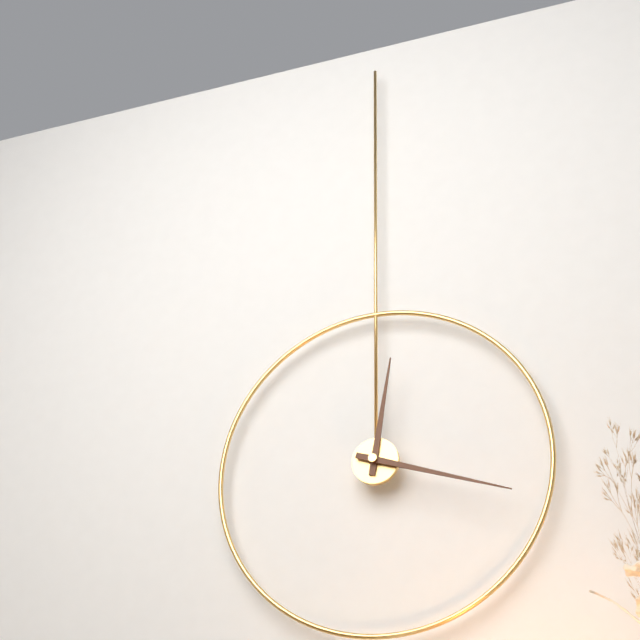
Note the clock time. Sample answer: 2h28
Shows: 12h18
